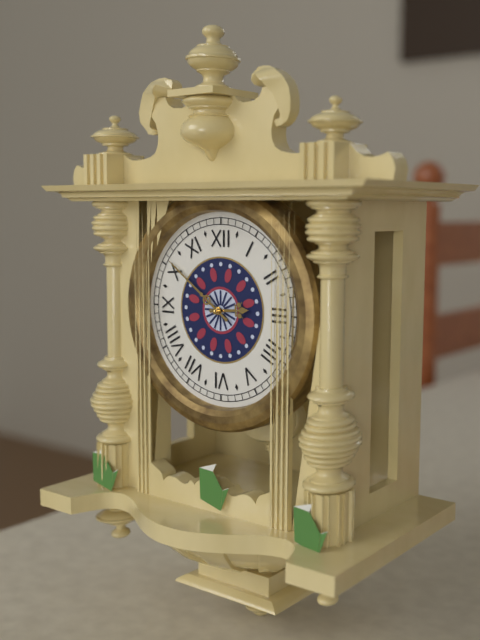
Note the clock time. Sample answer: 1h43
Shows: 2h51
